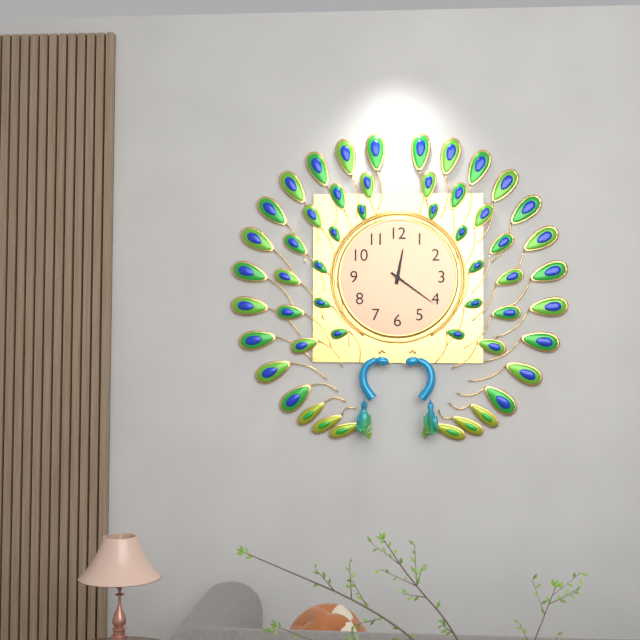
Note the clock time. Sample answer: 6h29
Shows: 12h21
